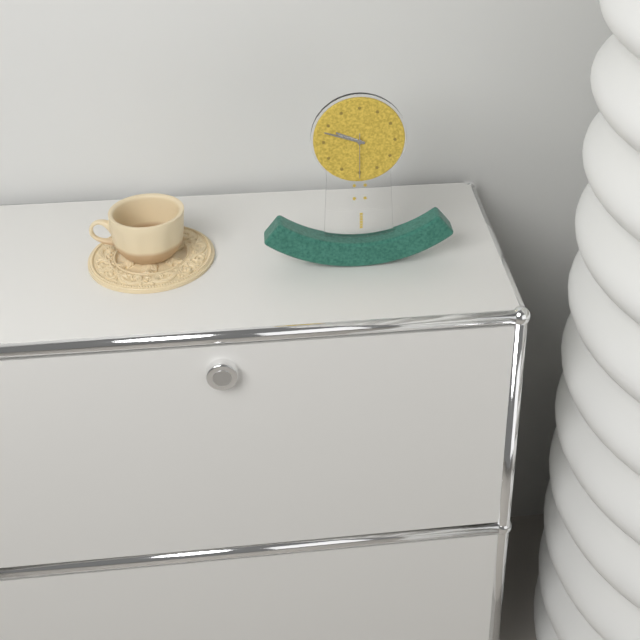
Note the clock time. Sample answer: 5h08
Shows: 9h48
